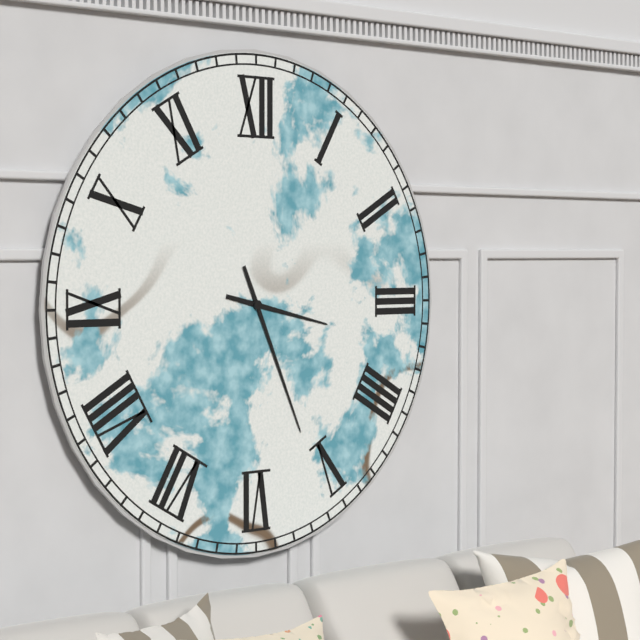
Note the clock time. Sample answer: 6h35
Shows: 3h26
